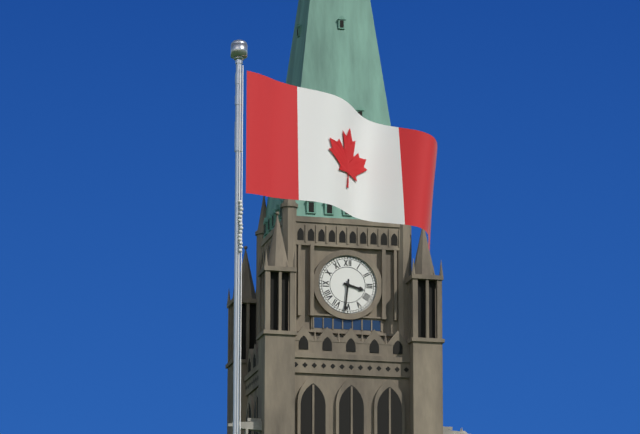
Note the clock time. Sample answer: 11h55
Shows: 3h31
